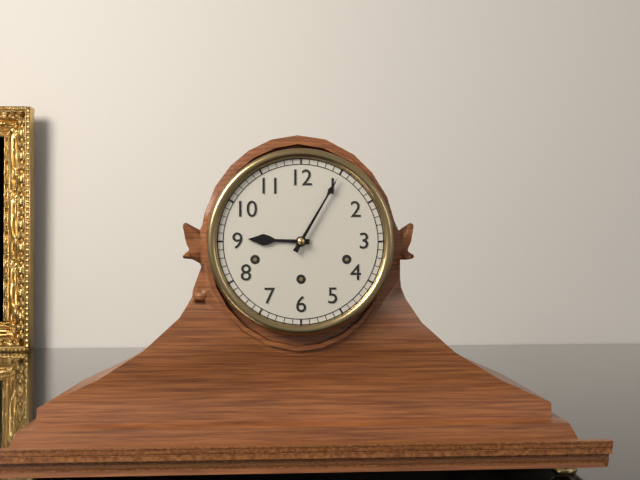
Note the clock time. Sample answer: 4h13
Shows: 9h05
